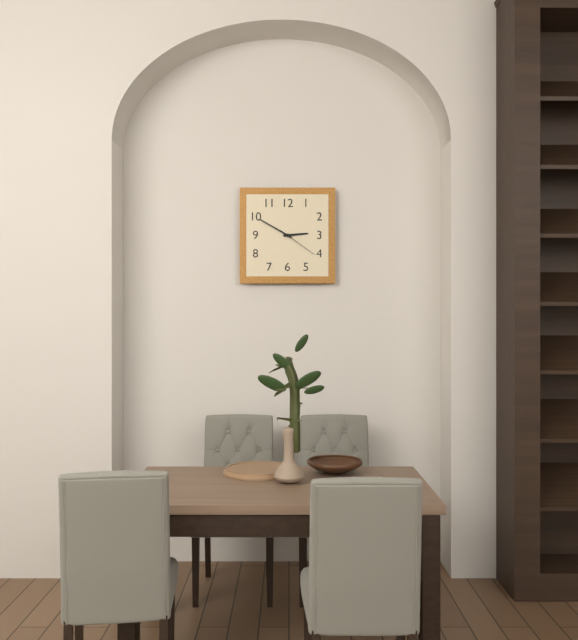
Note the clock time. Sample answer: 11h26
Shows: 2h50
